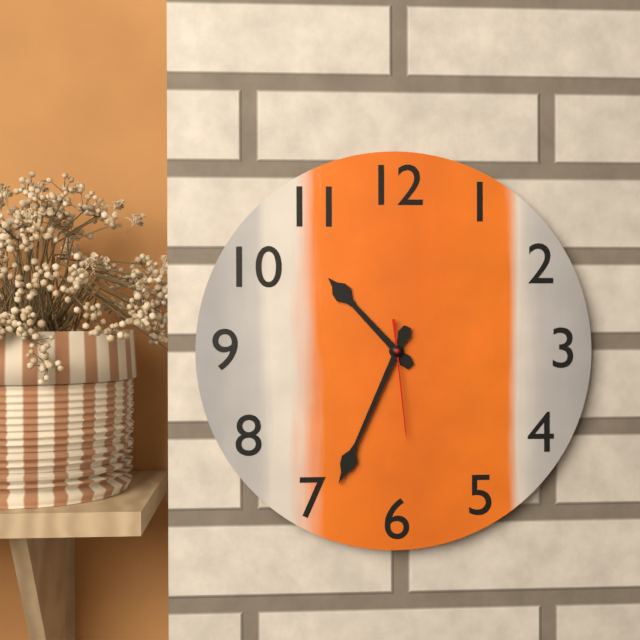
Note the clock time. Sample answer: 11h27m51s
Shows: 10h34m29s
